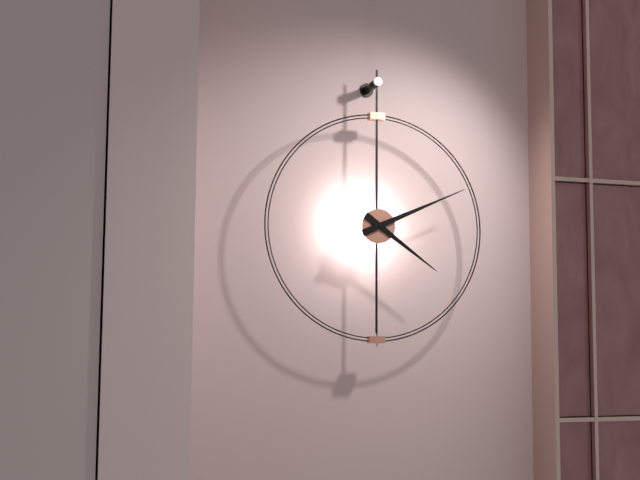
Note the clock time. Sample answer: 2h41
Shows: 4h11
